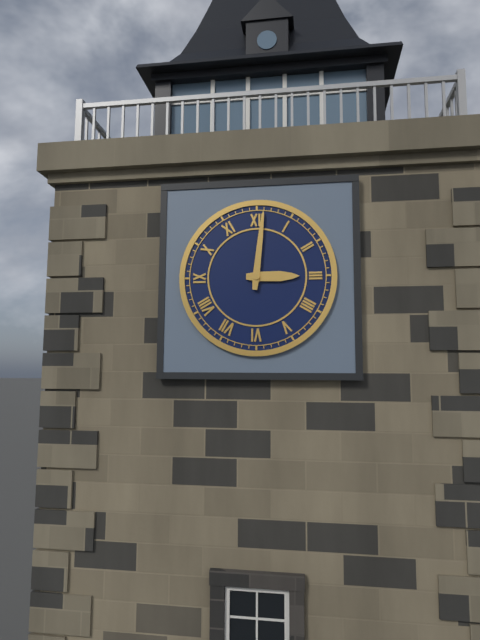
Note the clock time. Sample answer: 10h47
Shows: 3h01
